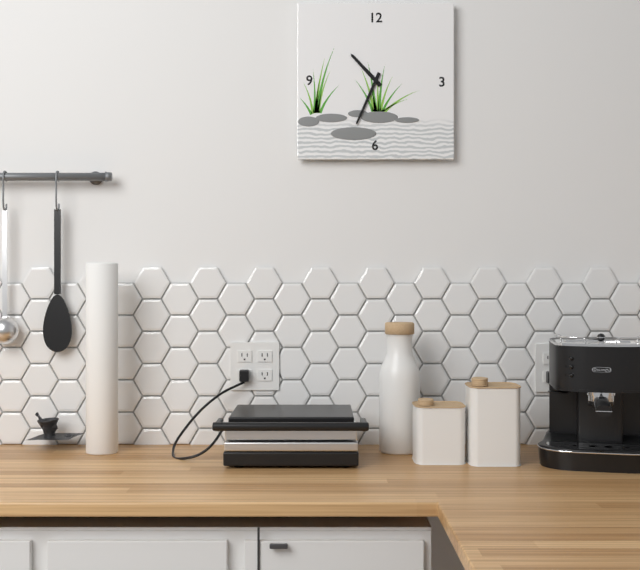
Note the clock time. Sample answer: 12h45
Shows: 10h34
